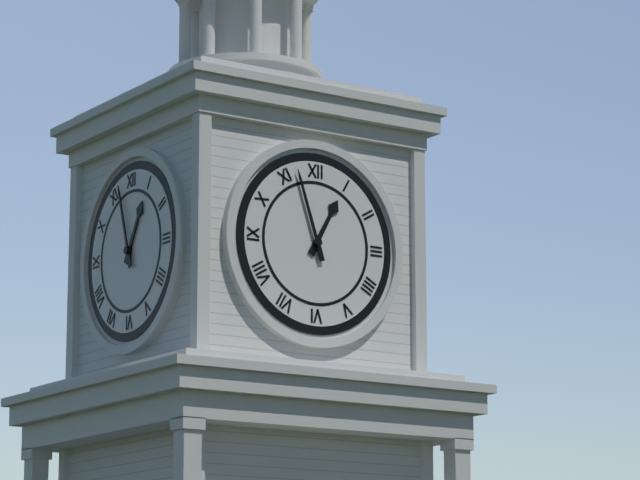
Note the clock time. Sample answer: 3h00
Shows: 12h57
